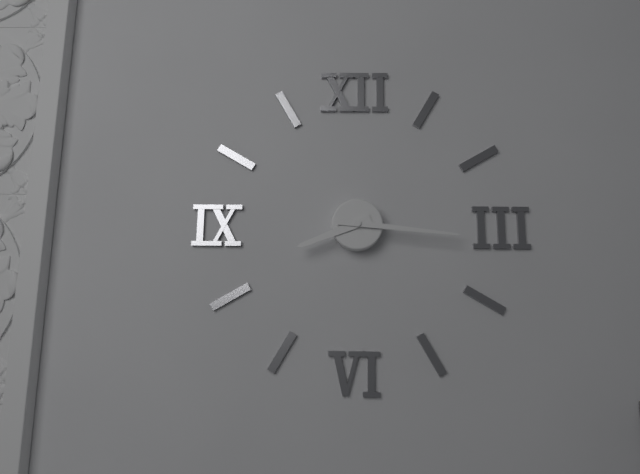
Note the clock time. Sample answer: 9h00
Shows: 8h16
